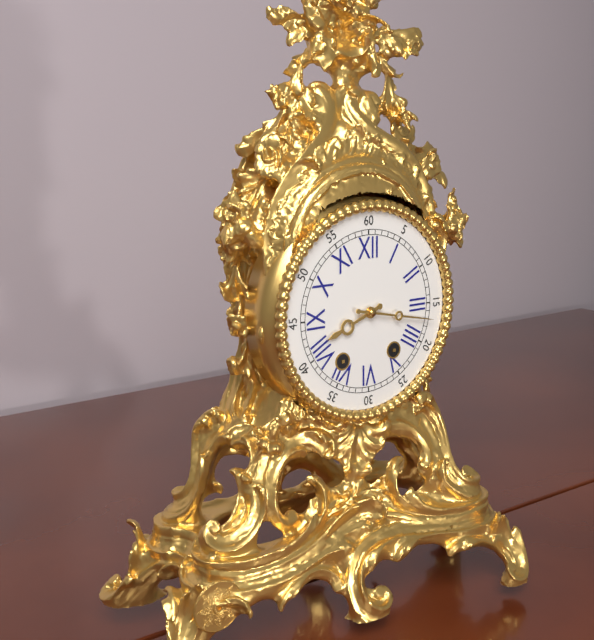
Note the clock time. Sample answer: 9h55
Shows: 8h17
